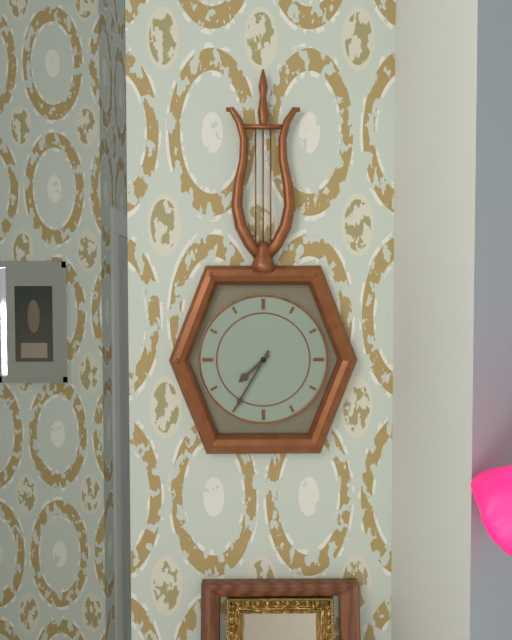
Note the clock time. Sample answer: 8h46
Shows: 7h35
